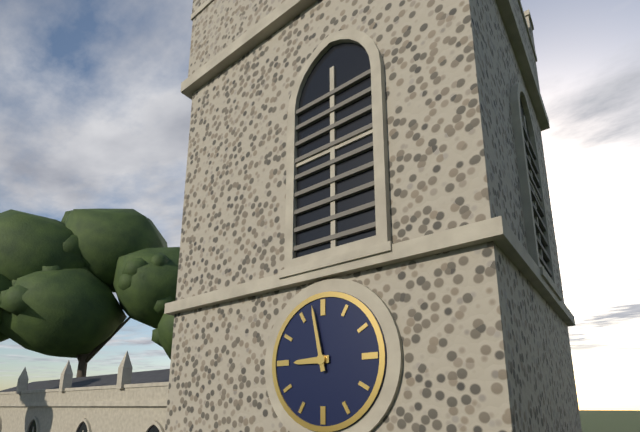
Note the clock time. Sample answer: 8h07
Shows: 8h58
